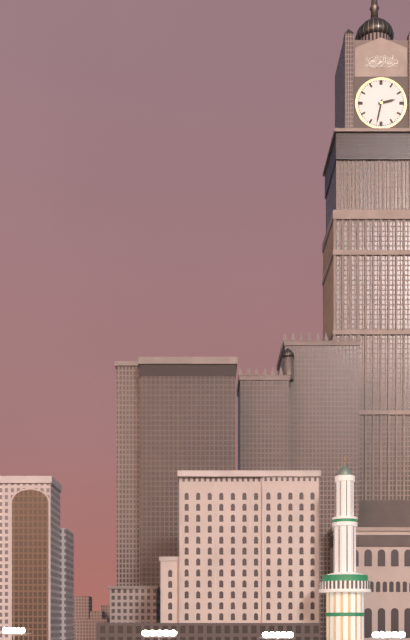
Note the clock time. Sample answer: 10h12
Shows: 2h32
